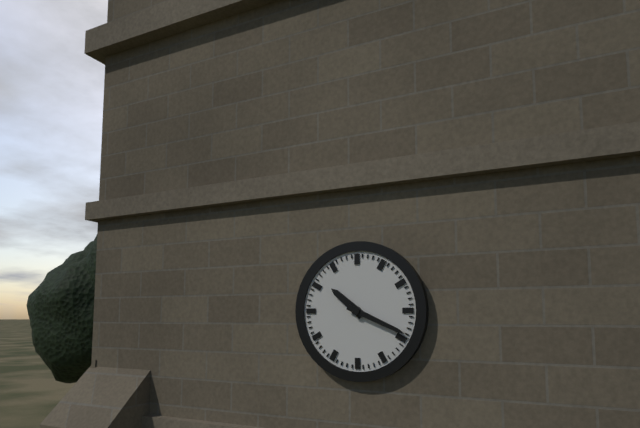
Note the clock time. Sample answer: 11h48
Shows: 10h19
